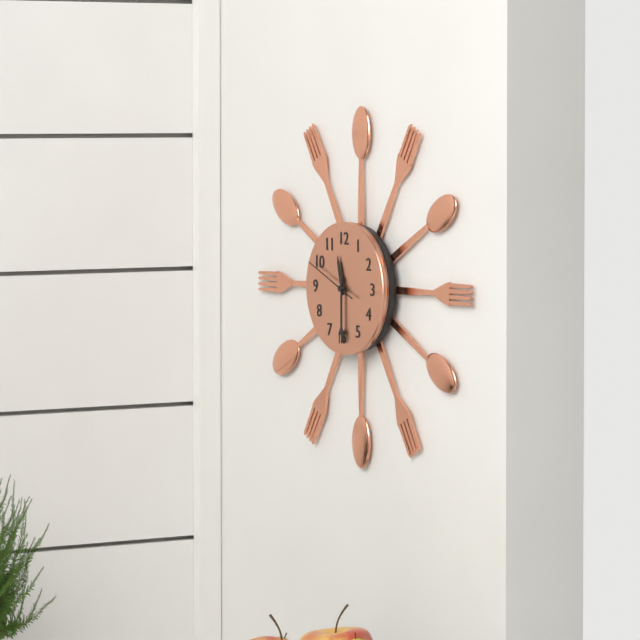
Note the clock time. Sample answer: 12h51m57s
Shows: 11h30m49s
